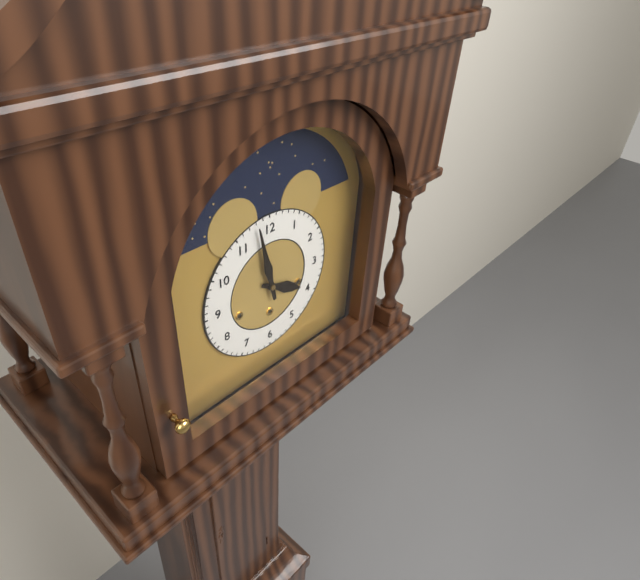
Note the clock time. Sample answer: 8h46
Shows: 3h58
